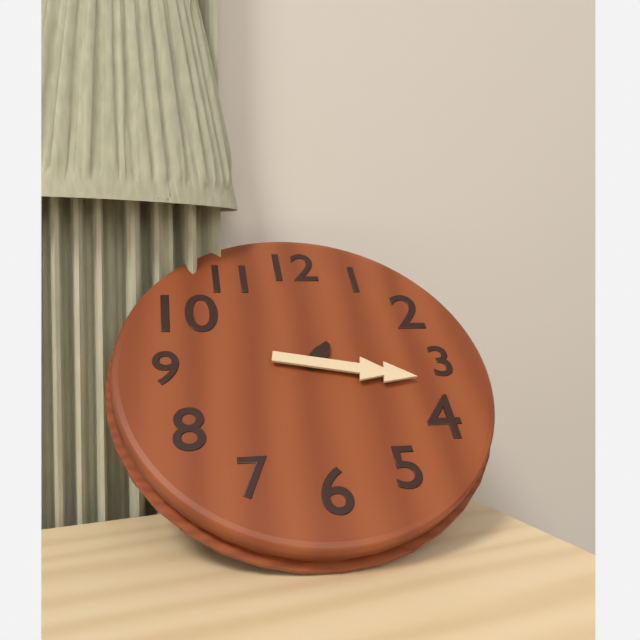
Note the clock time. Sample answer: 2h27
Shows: 1h17
